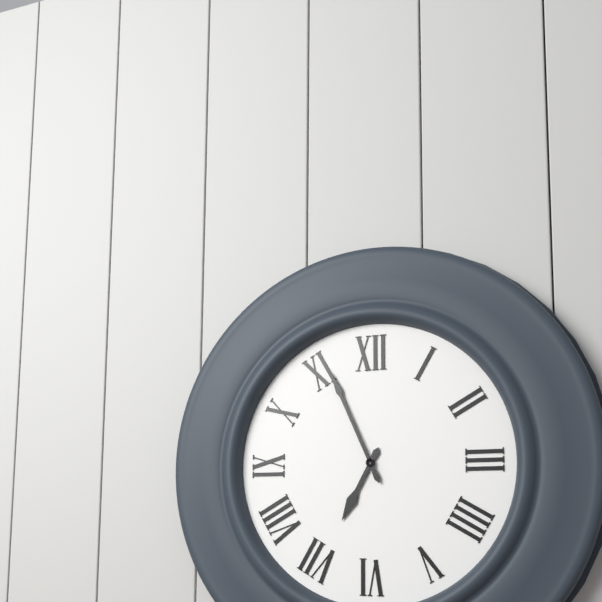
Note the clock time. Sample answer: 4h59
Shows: 6h56
